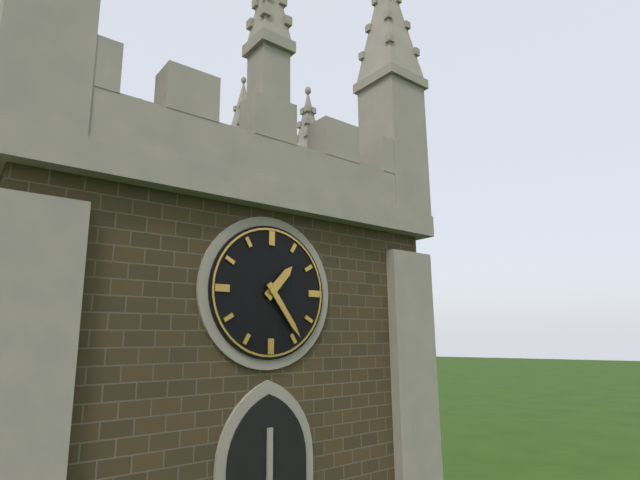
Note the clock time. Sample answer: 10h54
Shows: 1h24
